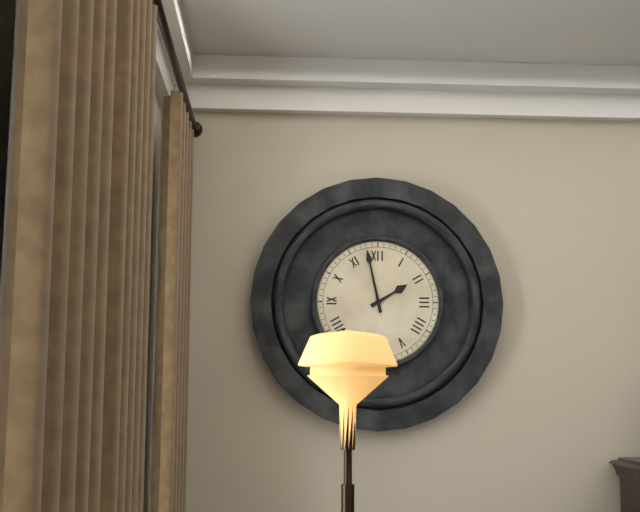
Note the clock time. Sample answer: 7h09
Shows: 1h58
